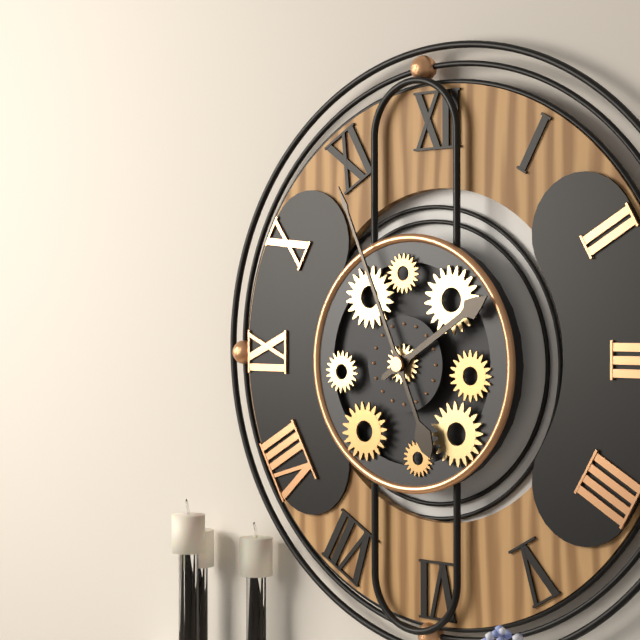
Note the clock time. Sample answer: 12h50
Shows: 1h56
